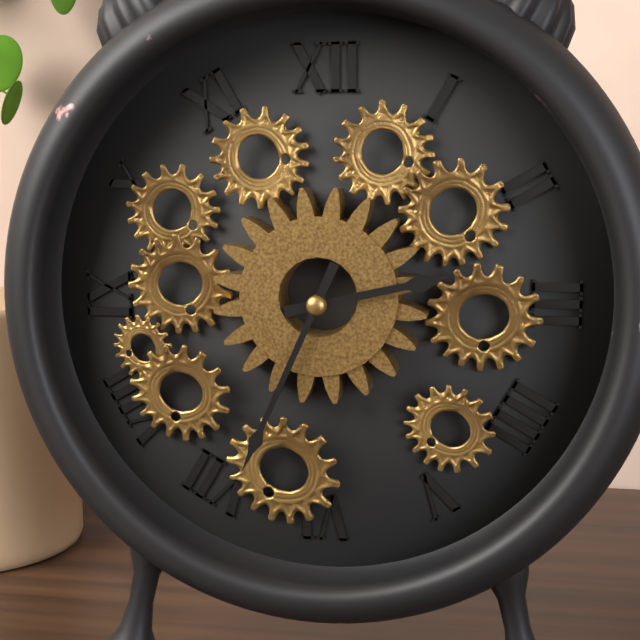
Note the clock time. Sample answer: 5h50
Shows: 2h34
